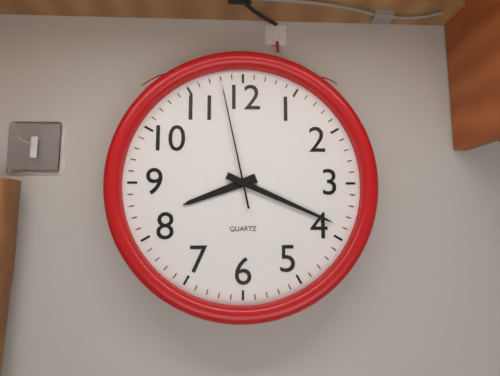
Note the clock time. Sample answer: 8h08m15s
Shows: 8h19m58s
